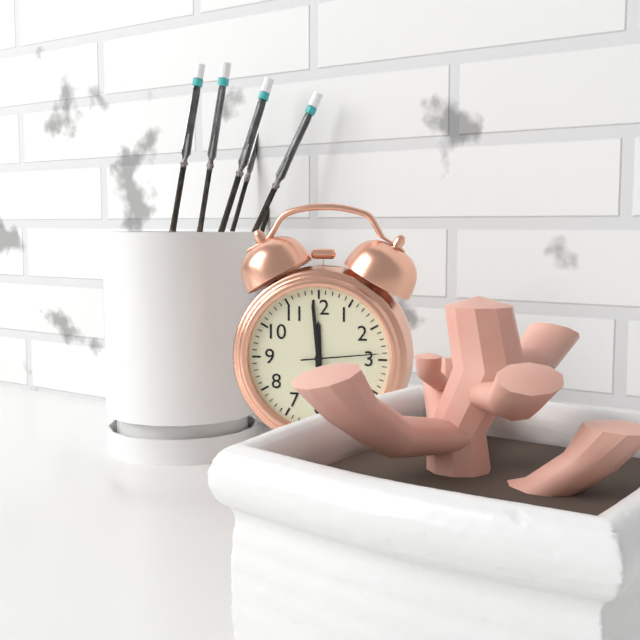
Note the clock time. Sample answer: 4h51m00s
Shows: 11h59m14s
